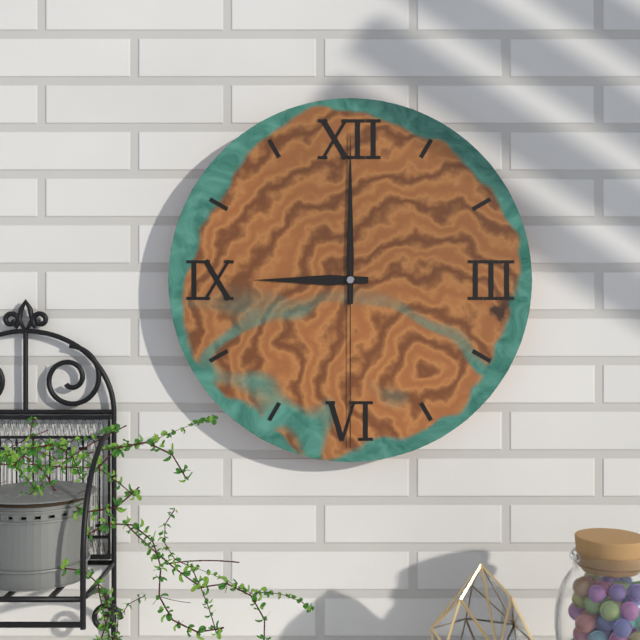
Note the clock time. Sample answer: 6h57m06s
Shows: 9h00m30s
